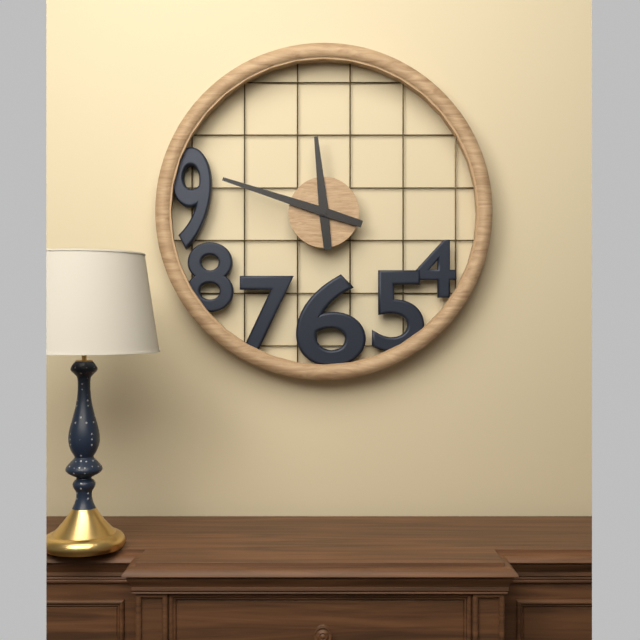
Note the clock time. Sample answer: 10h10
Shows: 11h48
